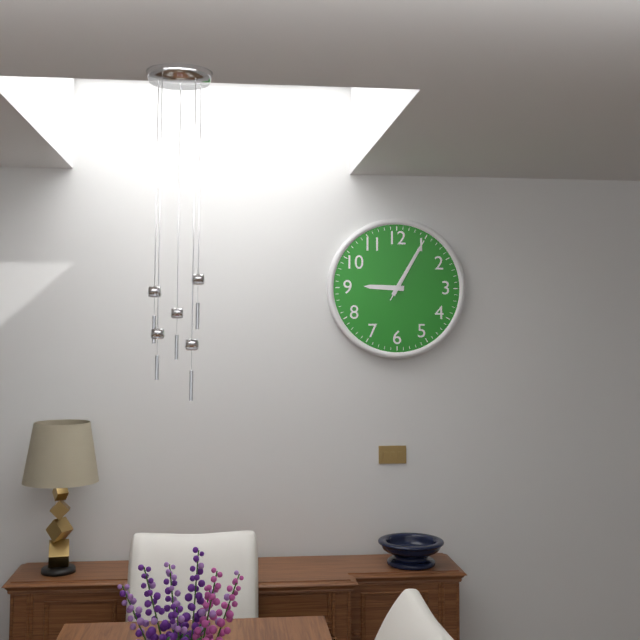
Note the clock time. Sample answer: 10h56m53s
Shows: 9h05m05s
